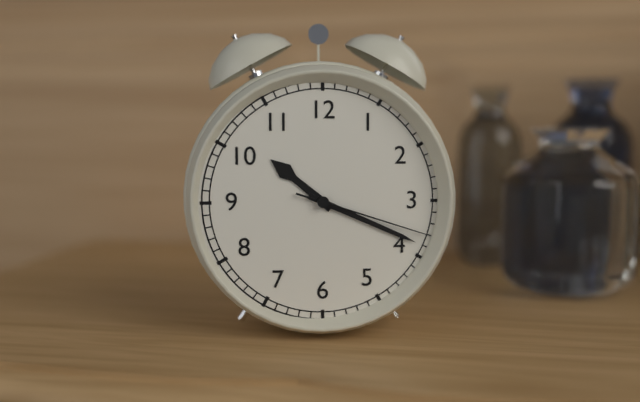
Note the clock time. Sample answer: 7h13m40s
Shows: 10h19m18s
